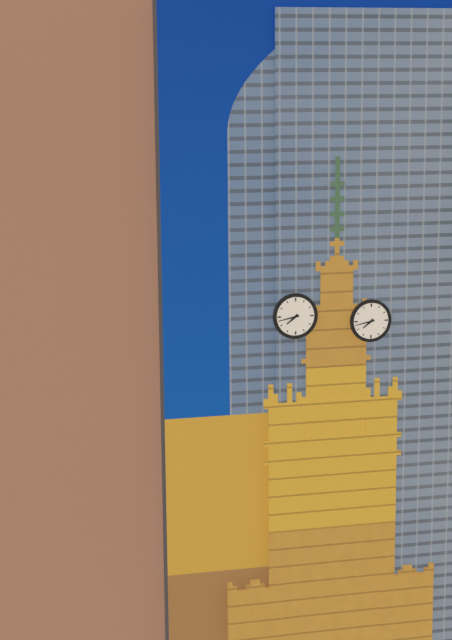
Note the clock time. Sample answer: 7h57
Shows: 7h43
